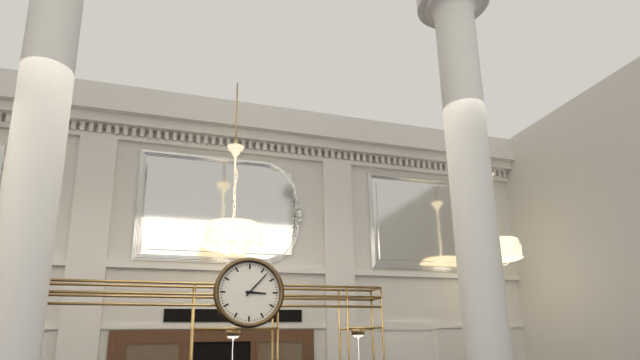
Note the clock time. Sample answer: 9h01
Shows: 3h07
